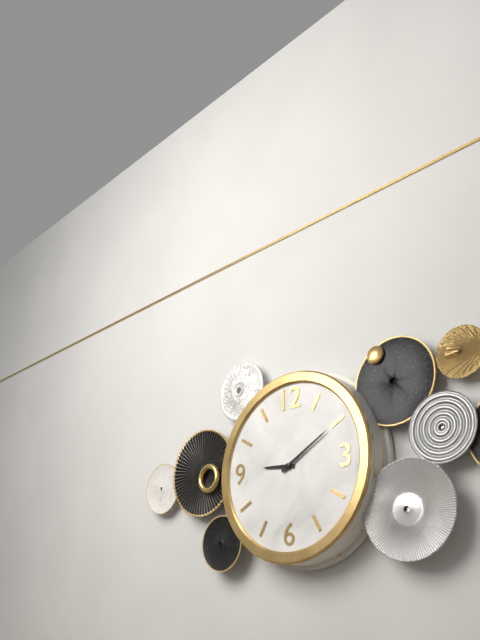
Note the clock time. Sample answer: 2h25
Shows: 9h10
